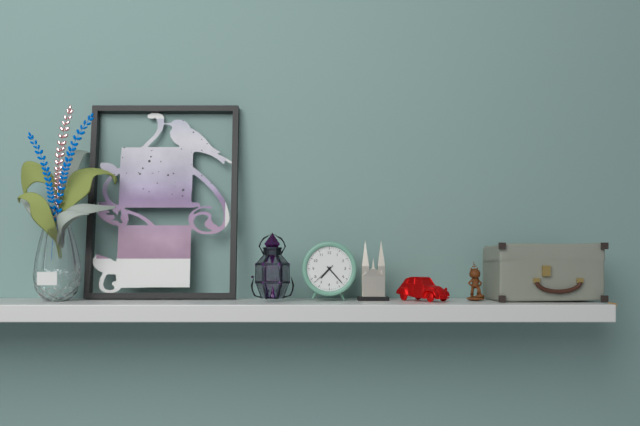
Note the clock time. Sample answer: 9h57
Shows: 7h23
